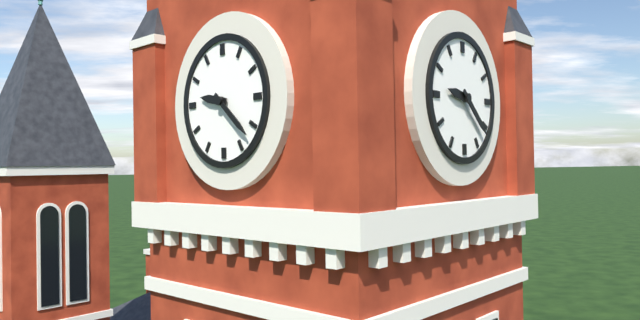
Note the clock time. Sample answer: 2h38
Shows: 9h22
